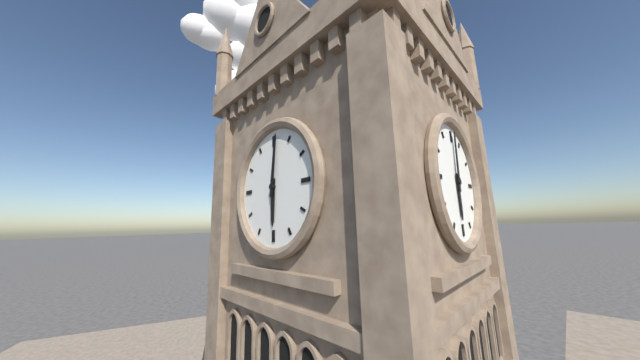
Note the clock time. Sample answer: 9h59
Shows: 6h01
